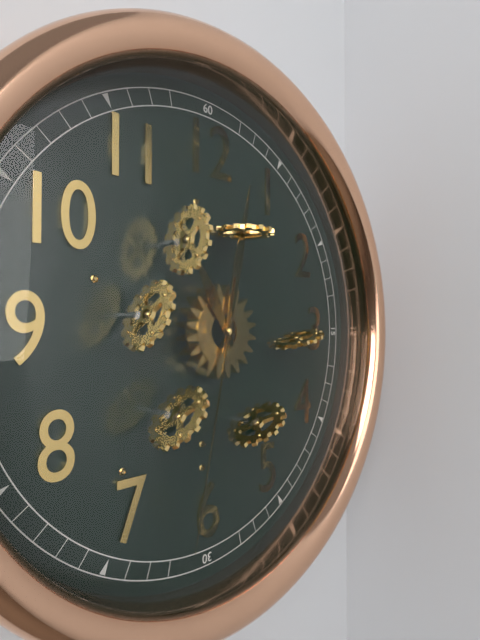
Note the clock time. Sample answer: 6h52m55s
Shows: 11h02m32s
